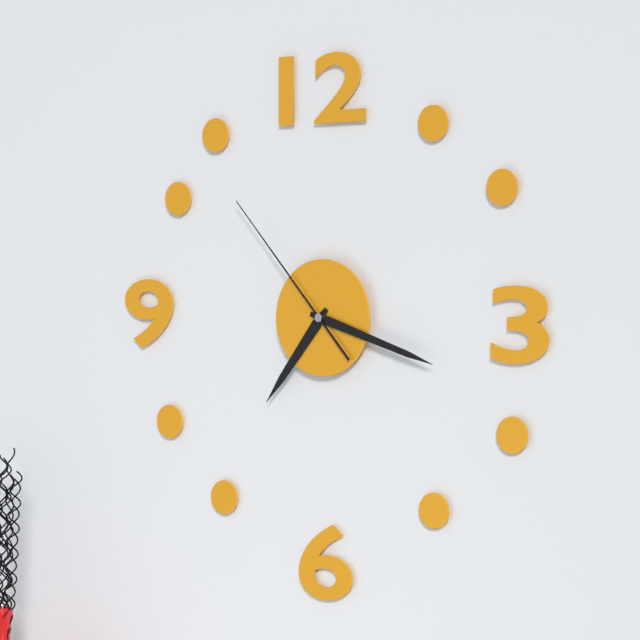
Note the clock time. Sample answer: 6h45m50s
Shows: 7h18m53s
